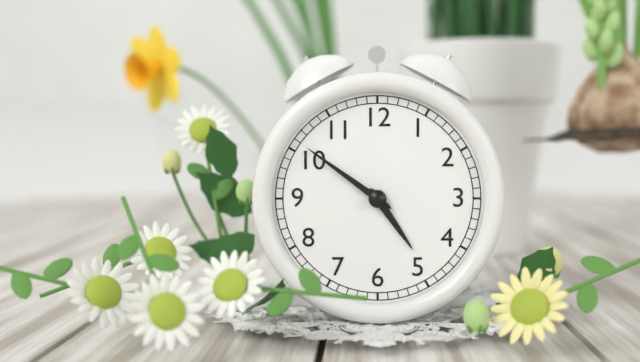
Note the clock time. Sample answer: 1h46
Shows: 4h51
